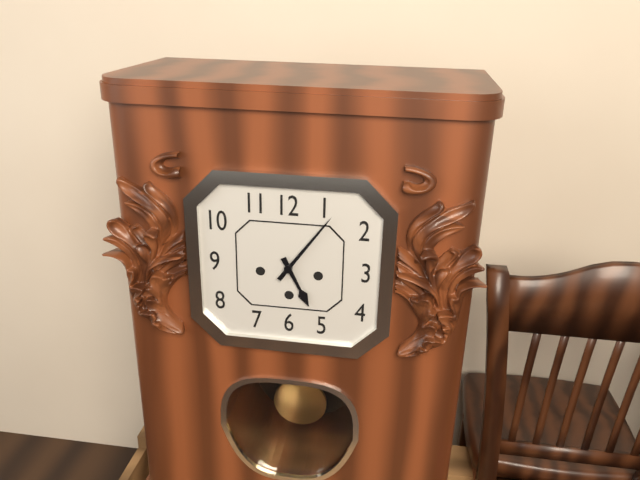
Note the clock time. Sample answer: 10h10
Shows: 5h06
